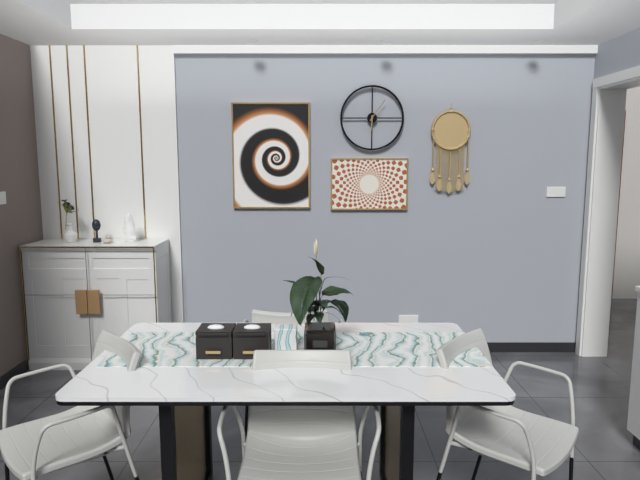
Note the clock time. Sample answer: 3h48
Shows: 6h06
